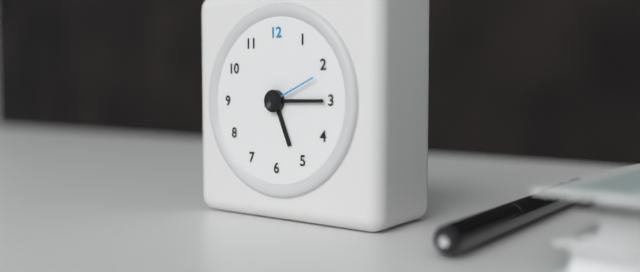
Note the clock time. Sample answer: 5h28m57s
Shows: 5h15m11s
